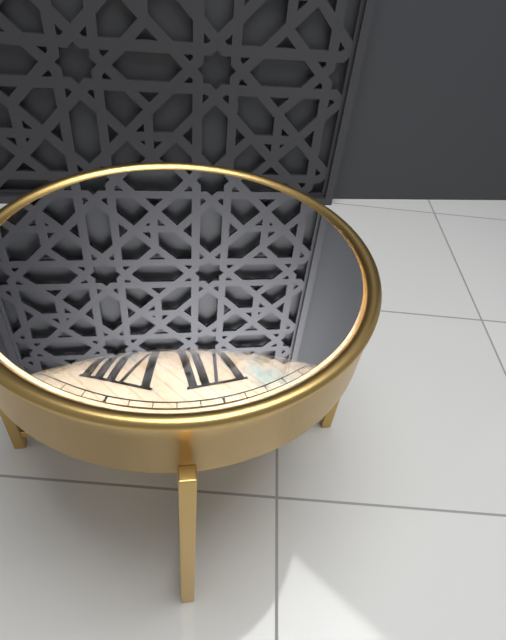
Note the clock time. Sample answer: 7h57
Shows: 11h20
